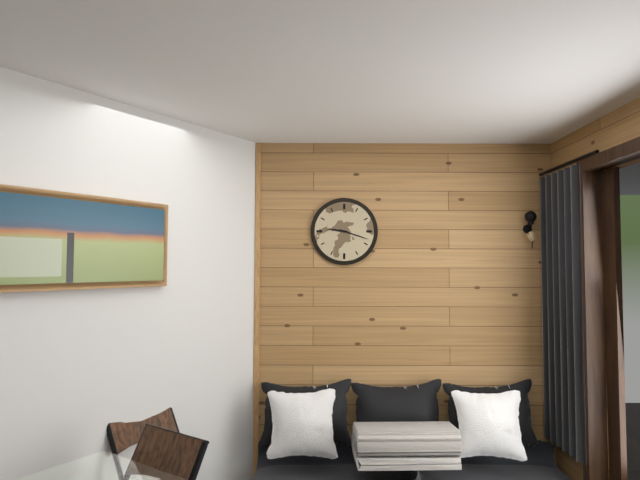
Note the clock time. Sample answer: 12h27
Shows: 9h18
